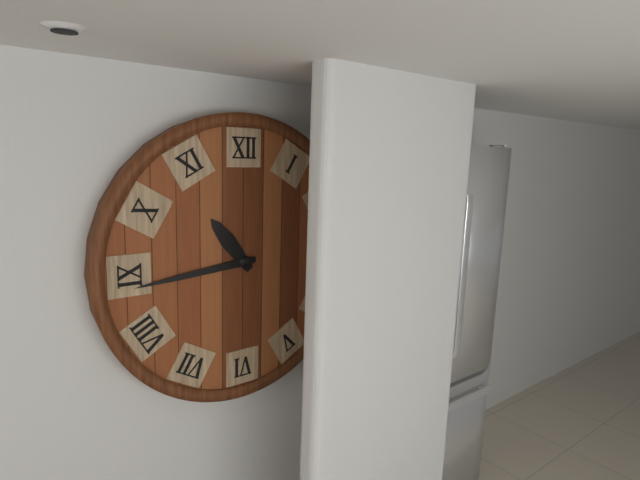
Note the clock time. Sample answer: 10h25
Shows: 10h44
